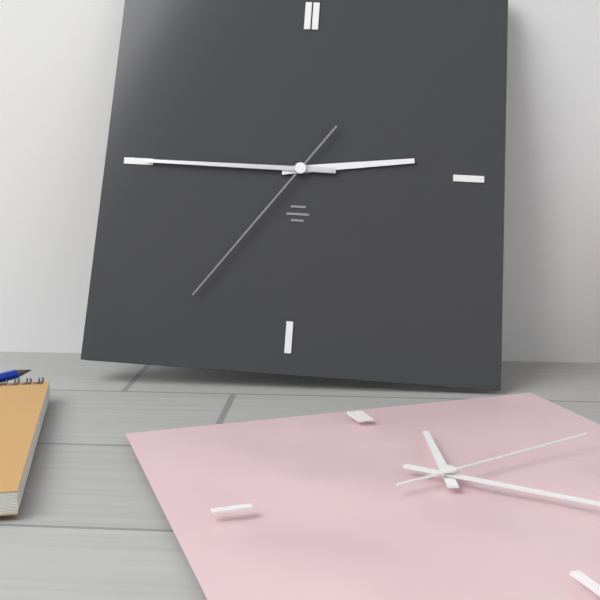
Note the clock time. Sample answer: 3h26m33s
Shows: 2h45m36s
